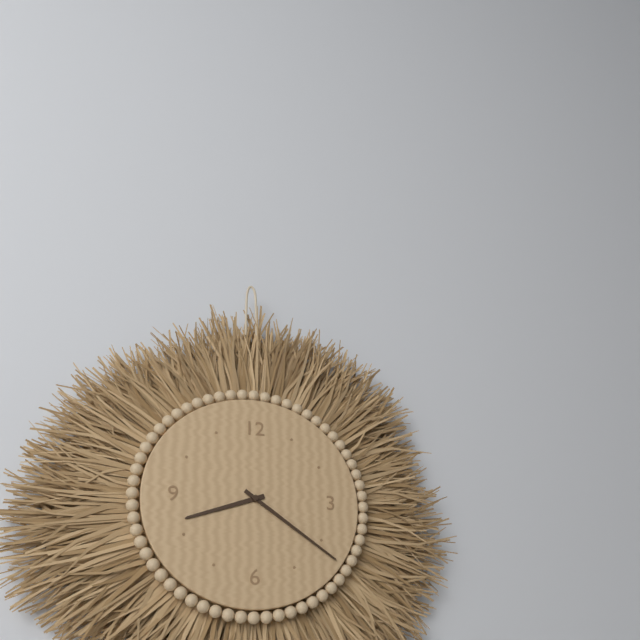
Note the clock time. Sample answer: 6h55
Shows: 8h21
